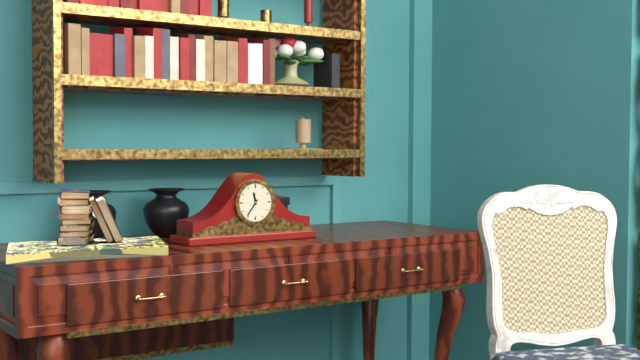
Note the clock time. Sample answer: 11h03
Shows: 11h36
